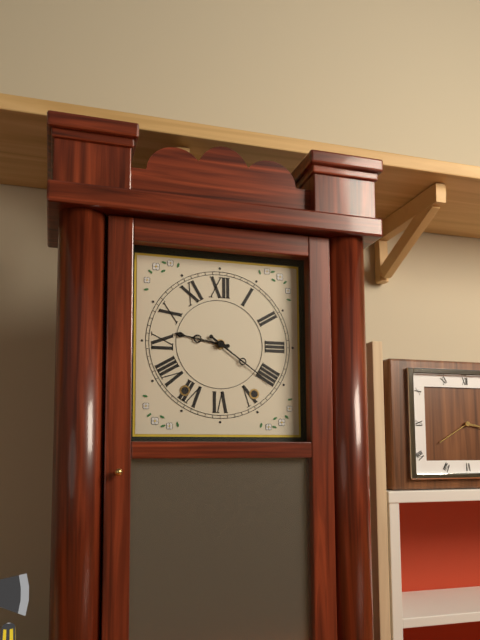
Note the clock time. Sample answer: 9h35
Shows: 9h21
